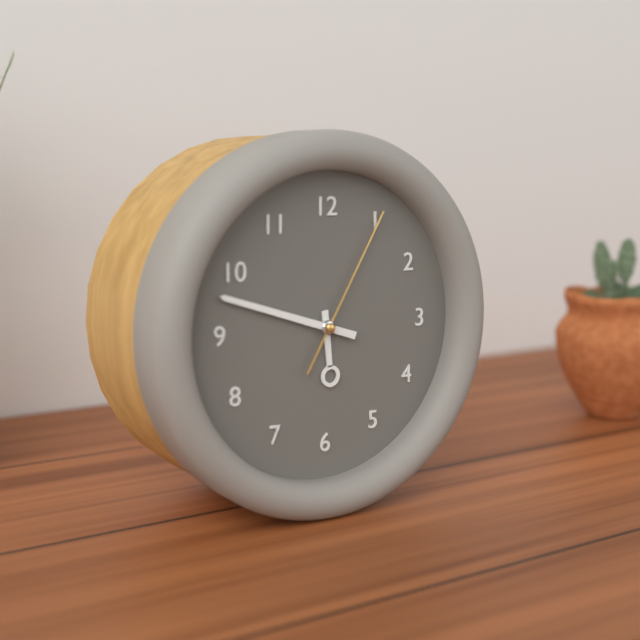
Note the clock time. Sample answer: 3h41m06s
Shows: 5h48m05s
